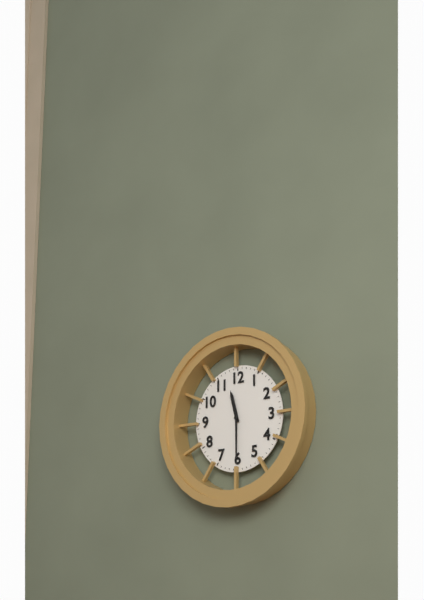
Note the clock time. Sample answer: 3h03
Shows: 11h30
